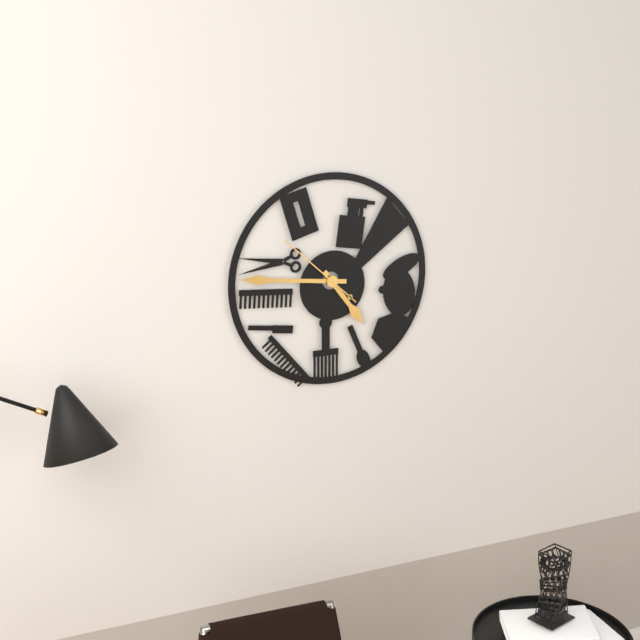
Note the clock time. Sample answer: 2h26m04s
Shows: 4h46m52s
